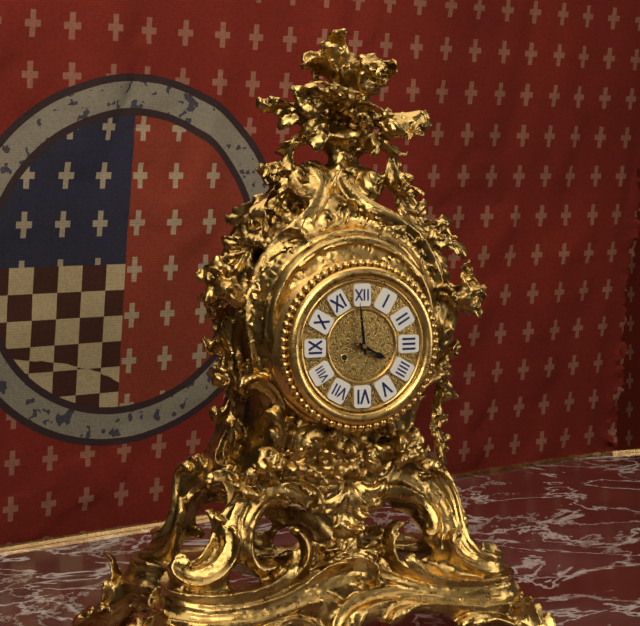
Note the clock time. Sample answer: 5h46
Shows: 3h59
